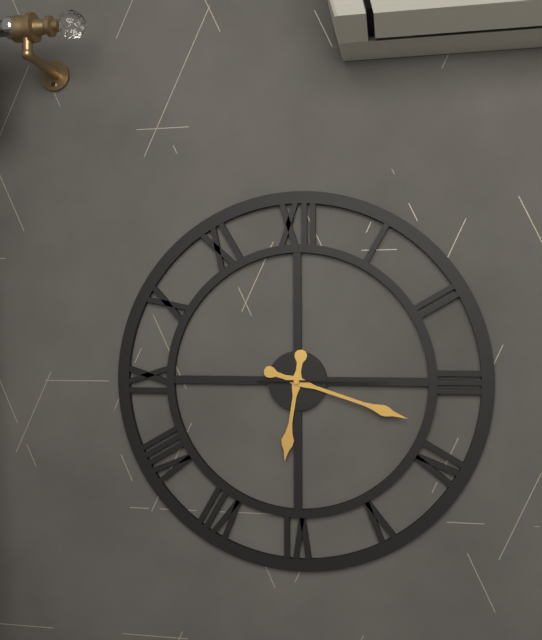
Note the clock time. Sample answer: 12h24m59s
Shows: 6h18m15s
